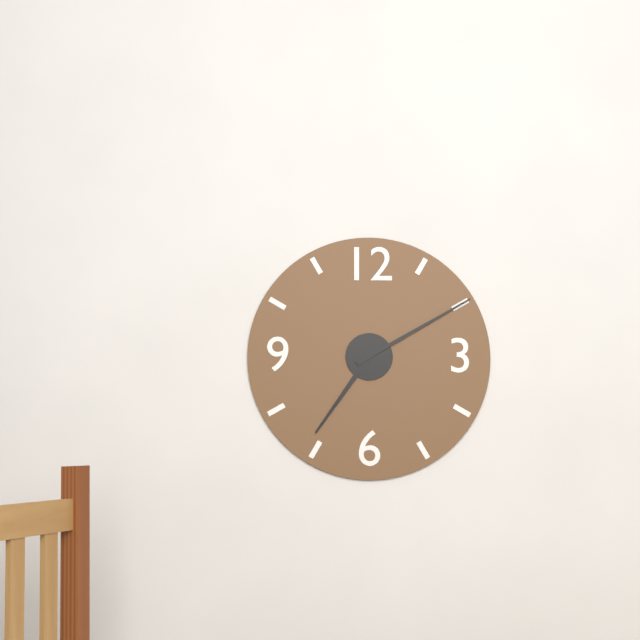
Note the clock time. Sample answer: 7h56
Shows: 7h10
